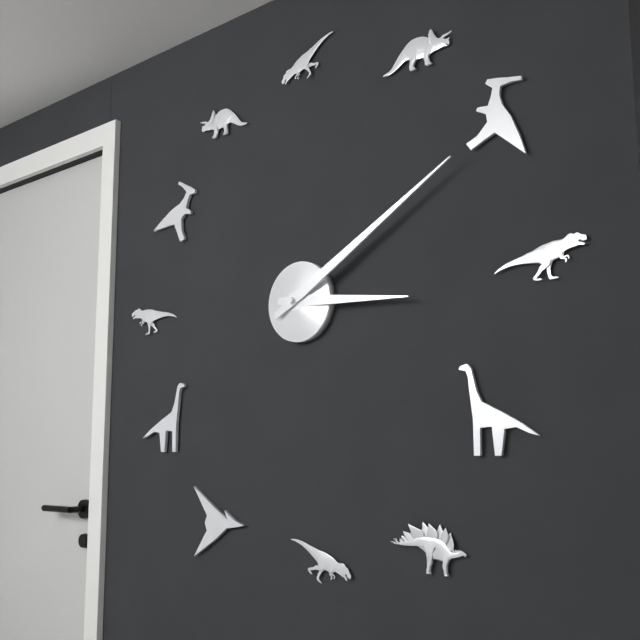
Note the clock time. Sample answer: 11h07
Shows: 3h10
